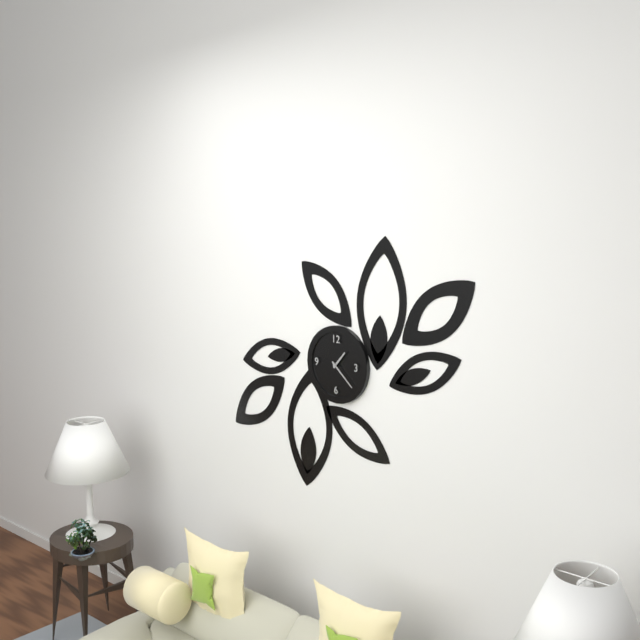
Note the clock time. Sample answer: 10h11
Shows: 1h22
